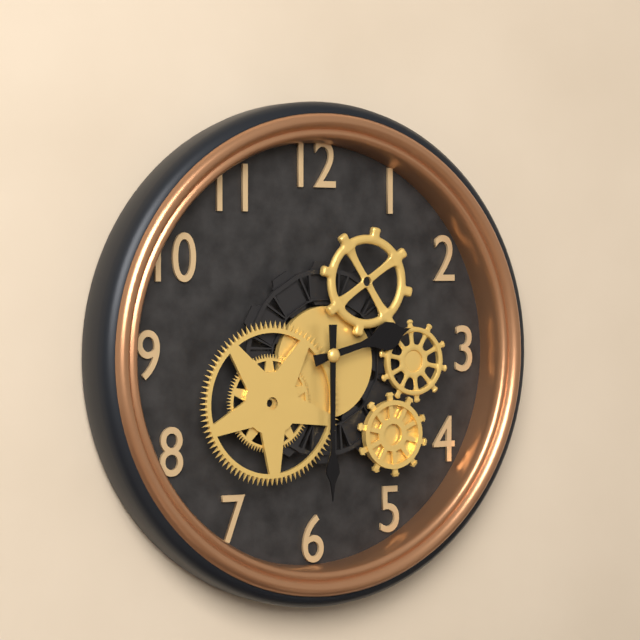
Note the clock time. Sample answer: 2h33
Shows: 2h30
